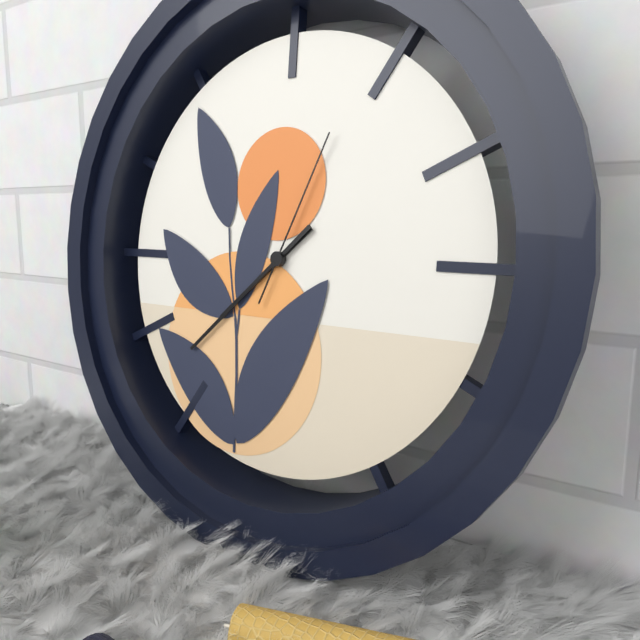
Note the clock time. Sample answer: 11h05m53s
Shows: 7h38m04s
